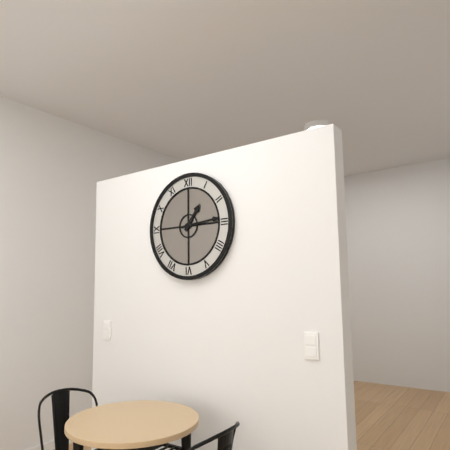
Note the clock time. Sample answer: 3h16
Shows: 1h14
